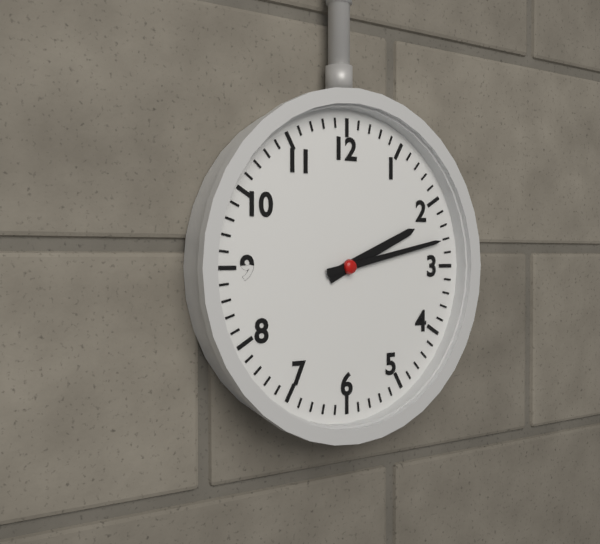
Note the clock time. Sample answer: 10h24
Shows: 2h13
